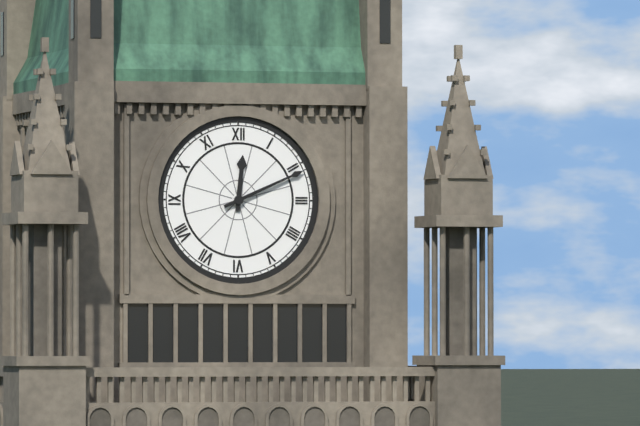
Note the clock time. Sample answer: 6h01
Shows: 12h11
